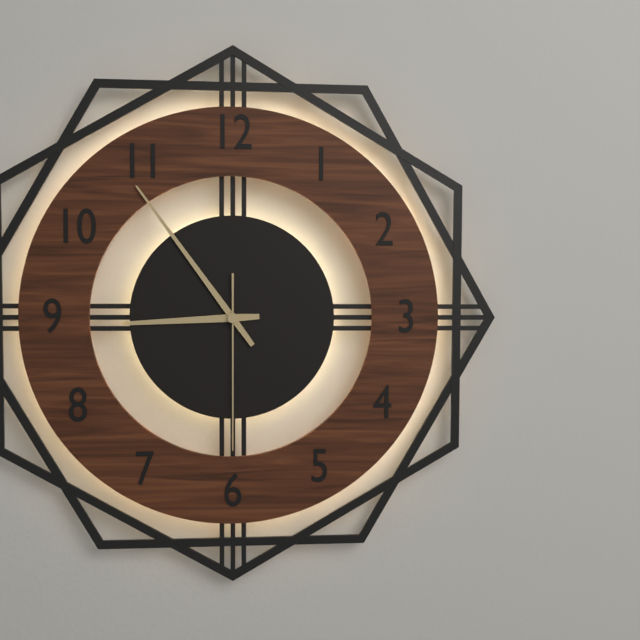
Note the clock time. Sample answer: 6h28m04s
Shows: 8h54m30s
